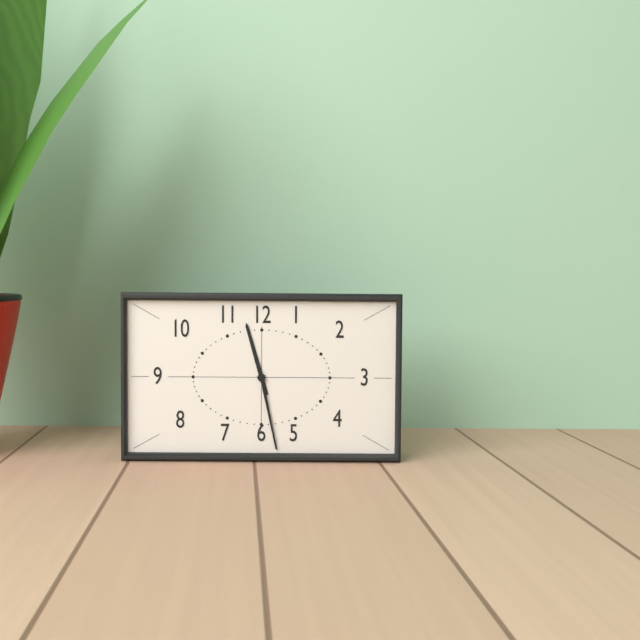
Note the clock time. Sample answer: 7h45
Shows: 11h28
